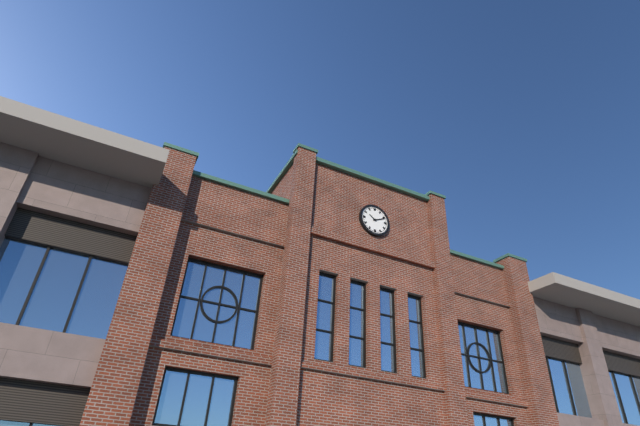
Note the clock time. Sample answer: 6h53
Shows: 10h11
